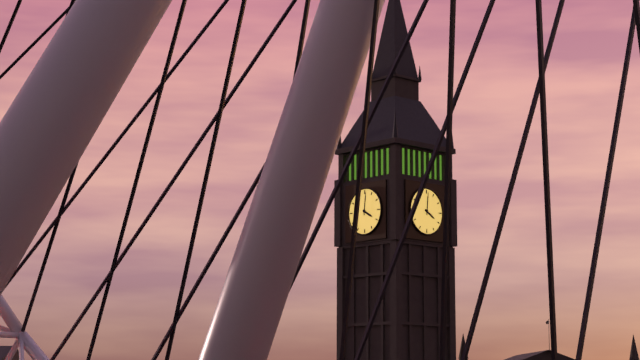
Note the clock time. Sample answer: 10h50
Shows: 4h01
